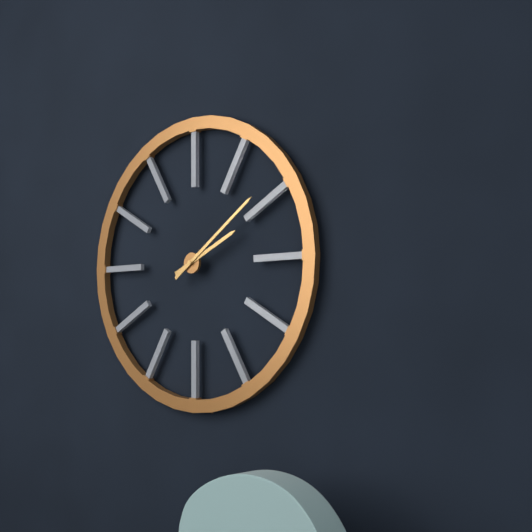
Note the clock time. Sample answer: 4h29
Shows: 2h09
